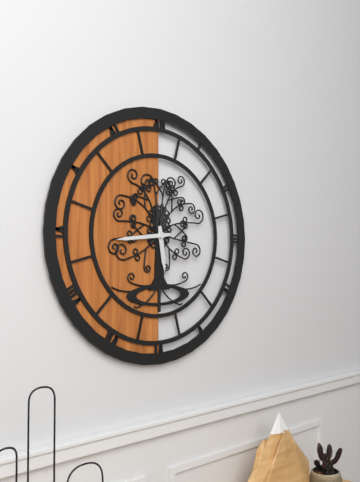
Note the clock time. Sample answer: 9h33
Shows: 5h44
